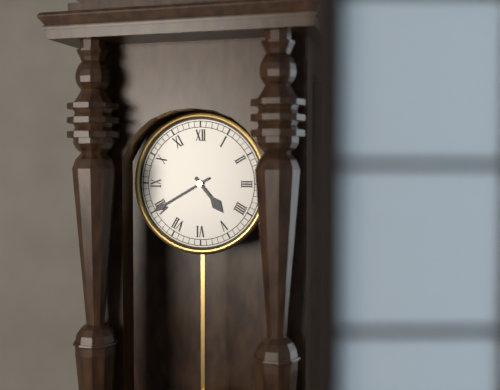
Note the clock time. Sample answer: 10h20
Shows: 4h40
